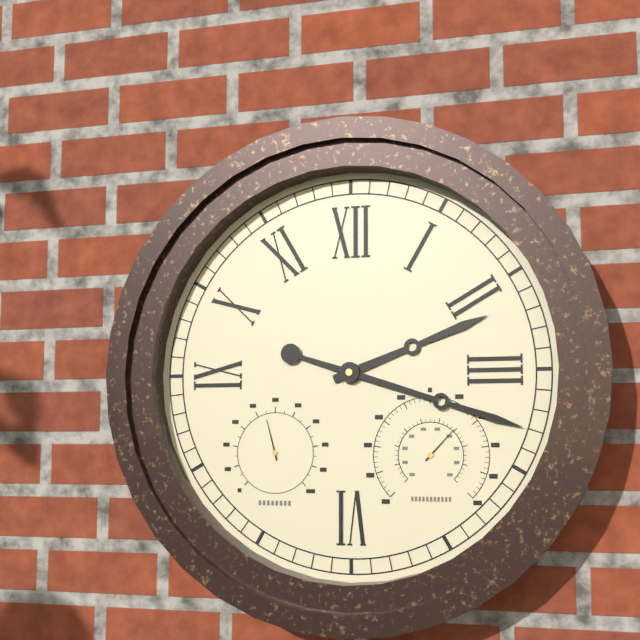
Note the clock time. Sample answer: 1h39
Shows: 2h18
